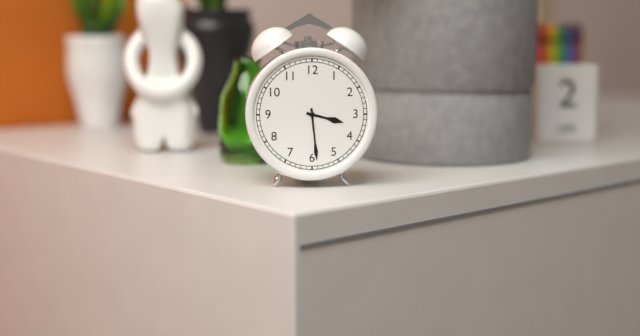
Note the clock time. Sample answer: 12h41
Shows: 3h29
